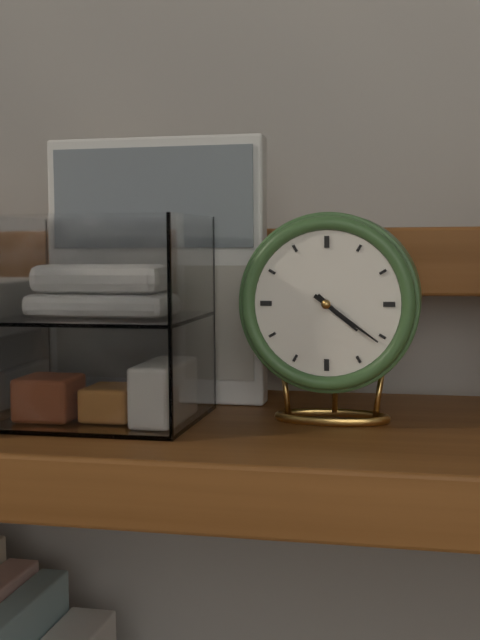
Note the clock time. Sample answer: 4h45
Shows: 4h21
